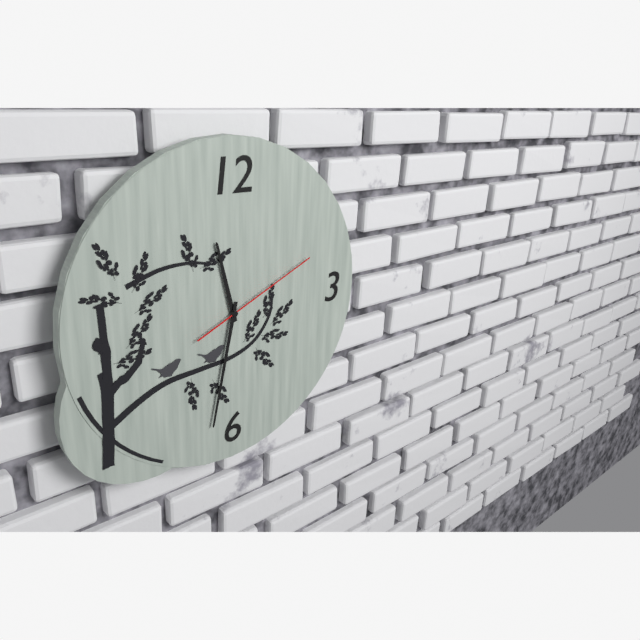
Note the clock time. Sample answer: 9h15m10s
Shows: 11h32m11s
